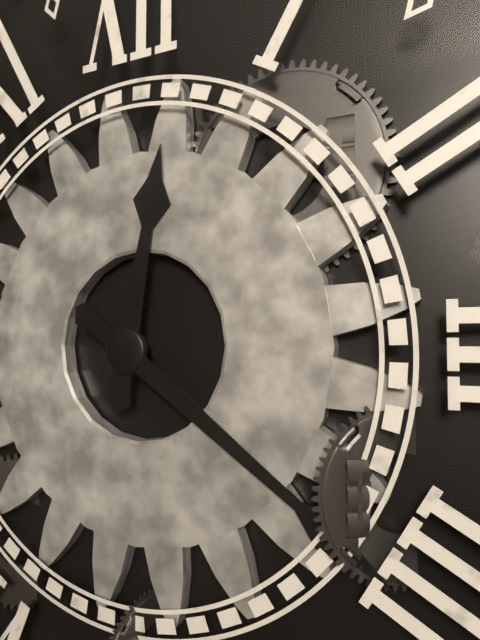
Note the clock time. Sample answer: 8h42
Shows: 12h21
